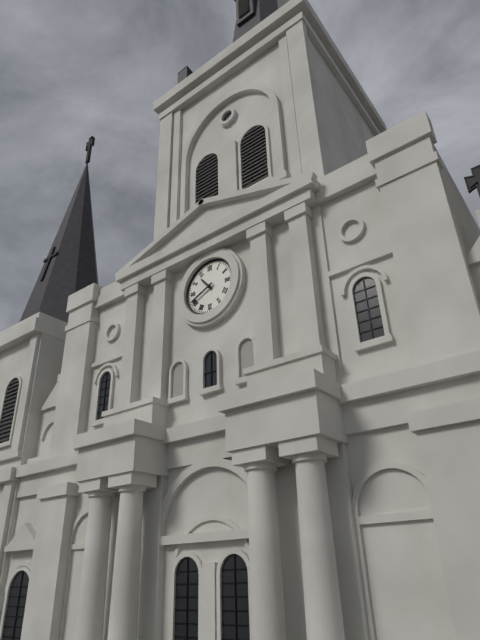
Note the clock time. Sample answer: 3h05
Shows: 10h41
